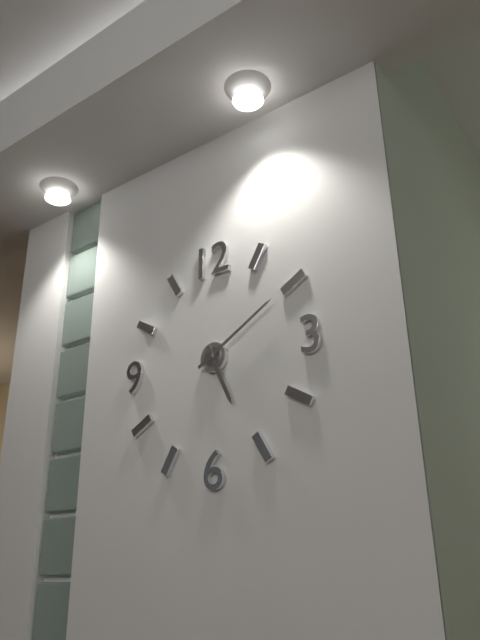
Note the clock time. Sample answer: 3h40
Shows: 5h10
